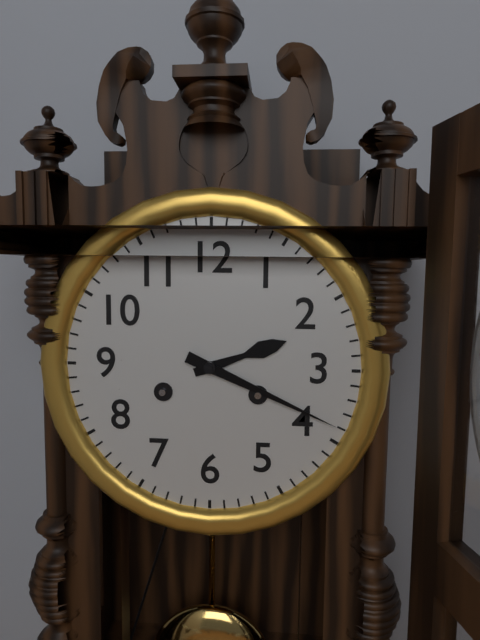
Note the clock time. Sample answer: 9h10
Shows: 2h19
